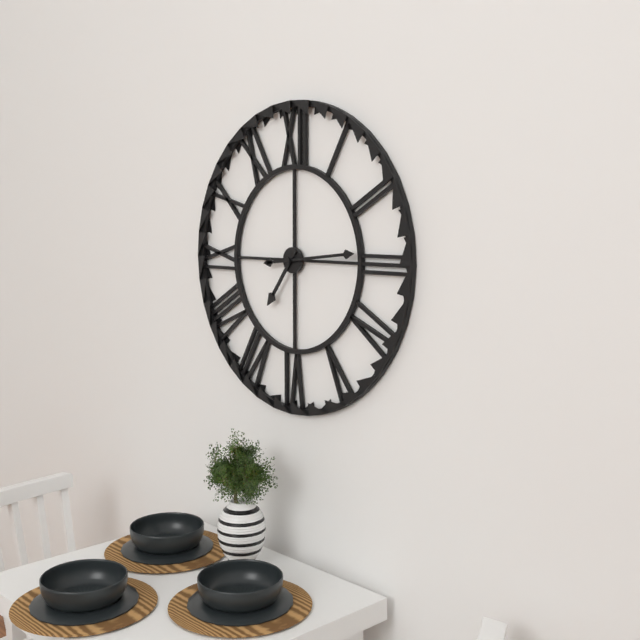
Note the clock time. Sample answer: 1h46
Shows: 7h14
